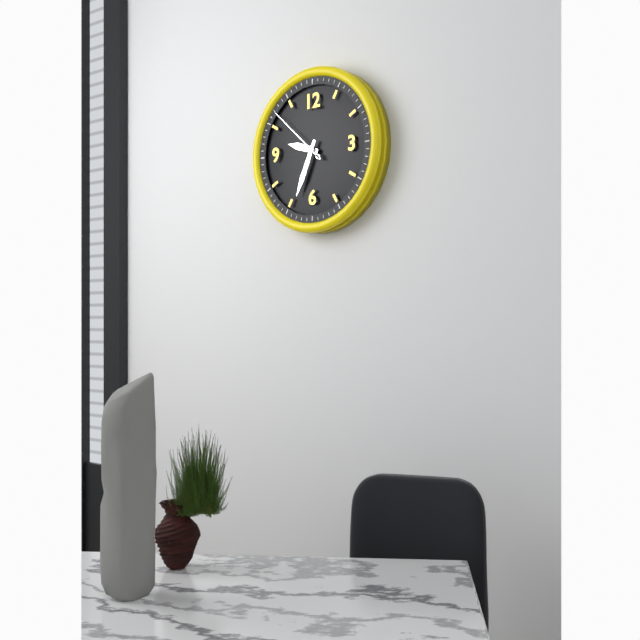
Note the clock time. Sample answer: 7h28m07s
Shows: 9h34m52s
